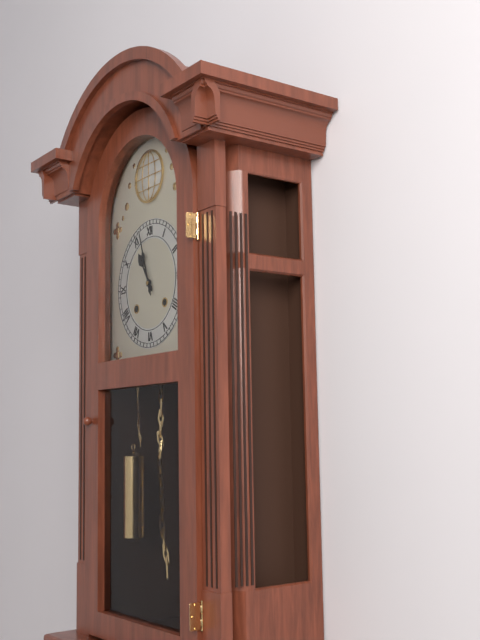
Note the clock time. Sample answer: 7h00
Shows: 10h57
